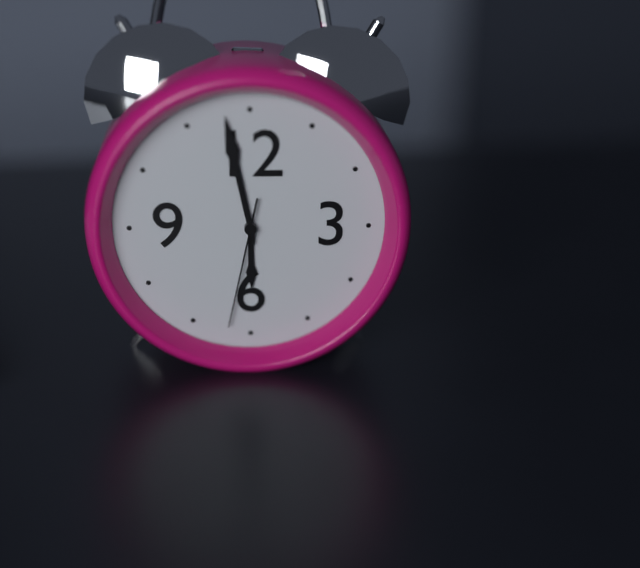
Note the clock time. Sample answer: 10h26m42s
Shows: 5h58m32s
